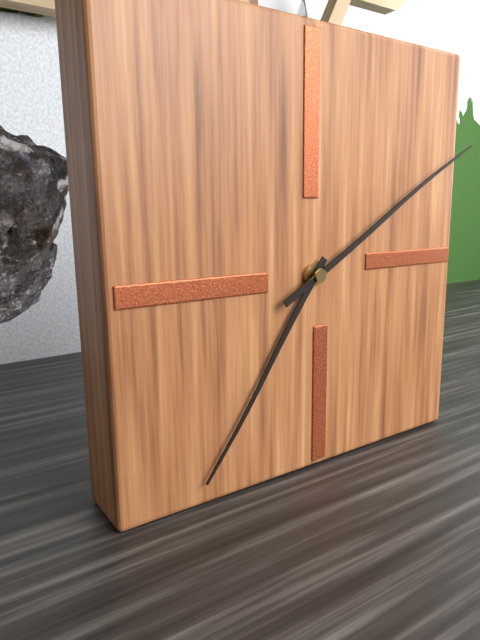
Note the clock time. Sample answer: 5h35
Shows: 7h10
